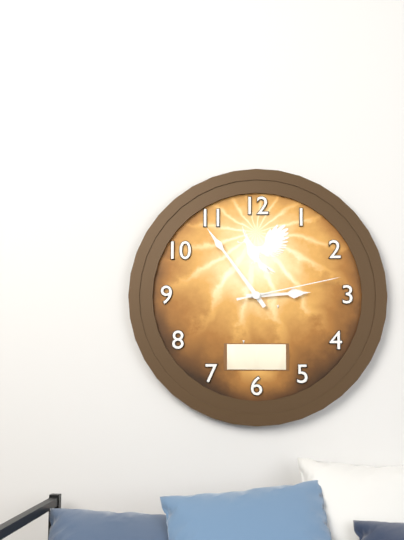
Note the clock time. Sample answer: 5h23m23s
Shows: 2h54m13s
